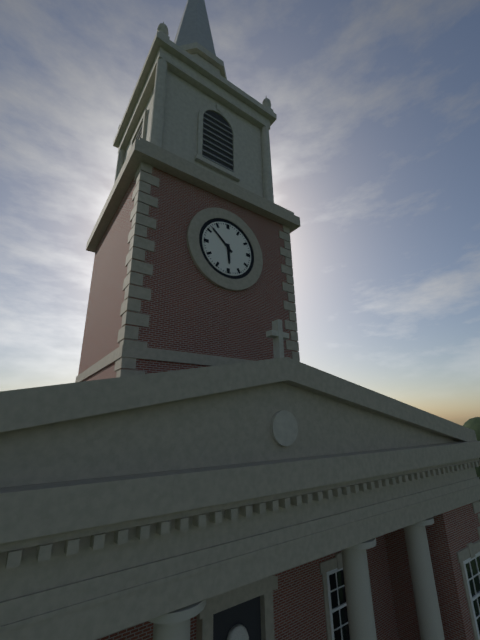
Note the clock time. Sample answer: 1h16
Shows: 5h52
